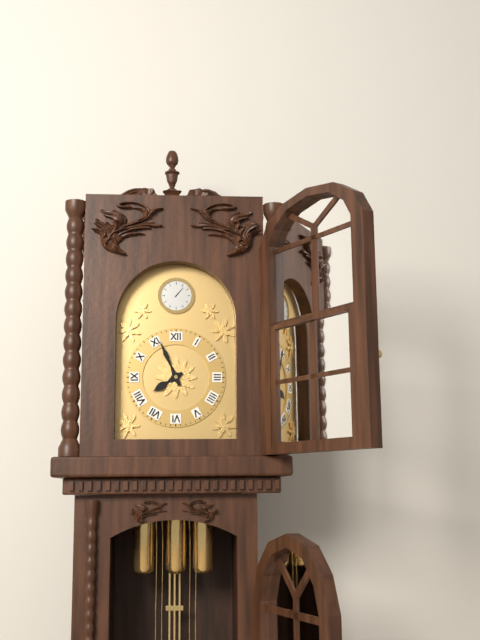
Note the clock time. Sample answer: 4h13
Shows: 7h56
